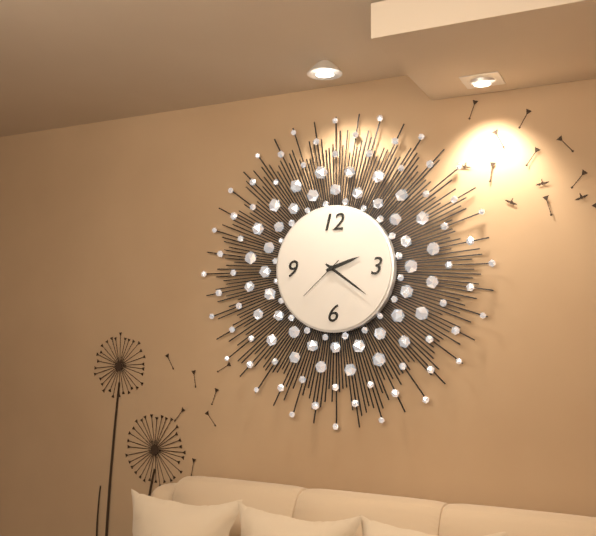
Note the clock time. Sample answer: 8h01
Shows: 2h21
